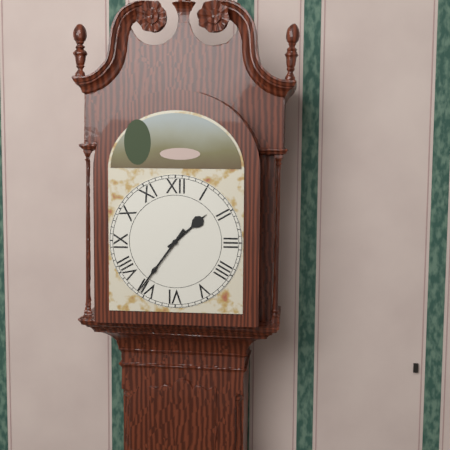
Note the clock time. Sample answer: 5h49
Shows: 1h36
